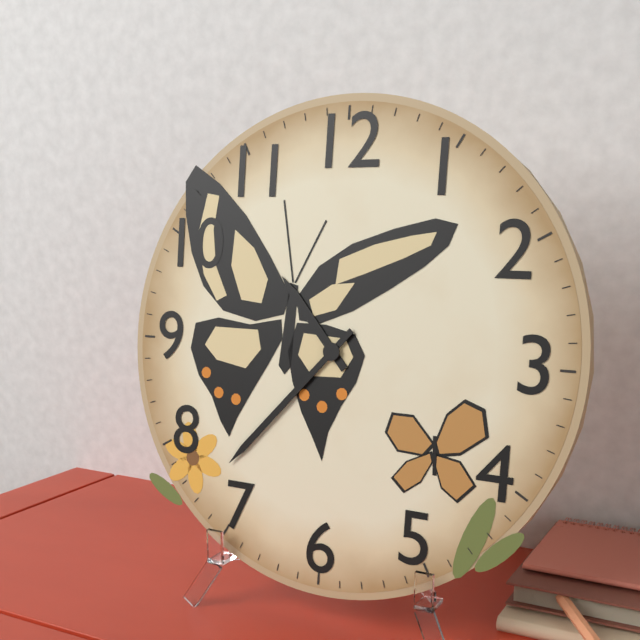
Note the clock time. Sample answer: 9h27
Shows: 10h37
